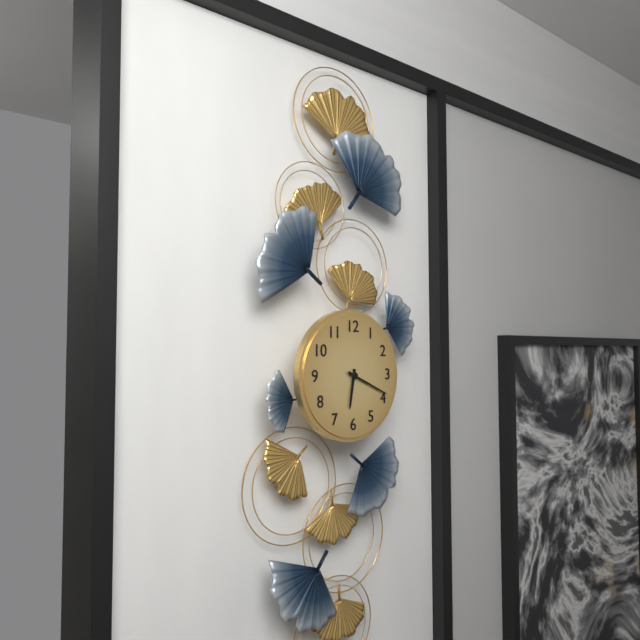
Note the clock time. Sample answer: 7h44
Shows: 6h19
